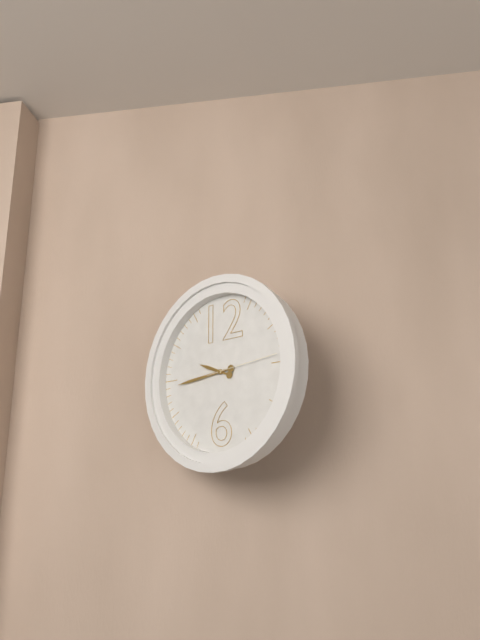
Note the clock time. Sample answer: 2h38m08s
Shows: 9h44m14s
